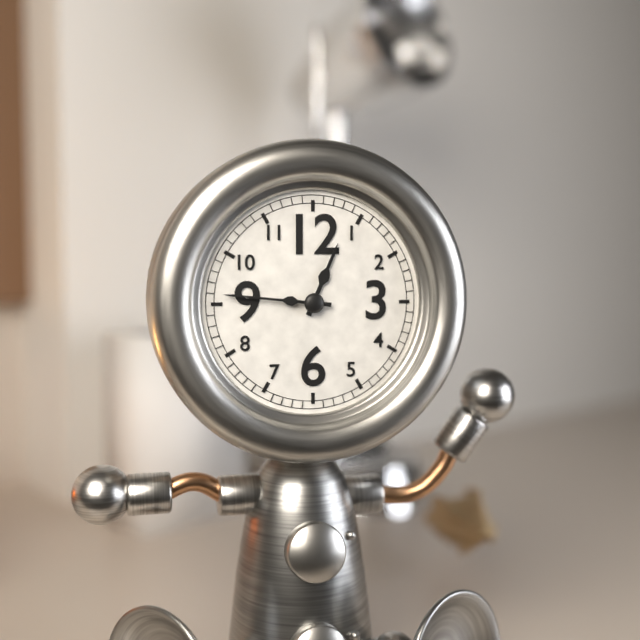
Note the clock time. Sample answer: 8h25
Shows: 12h46
